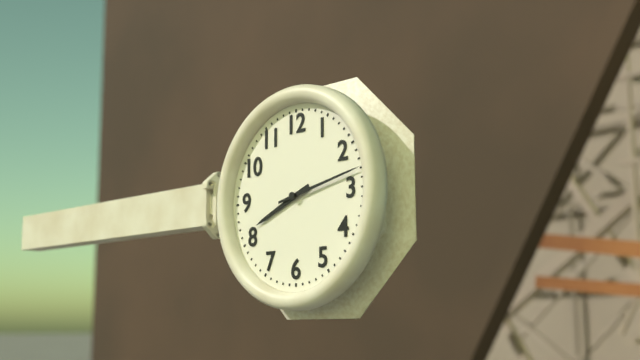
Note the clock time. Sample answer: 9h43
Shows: 8h13
